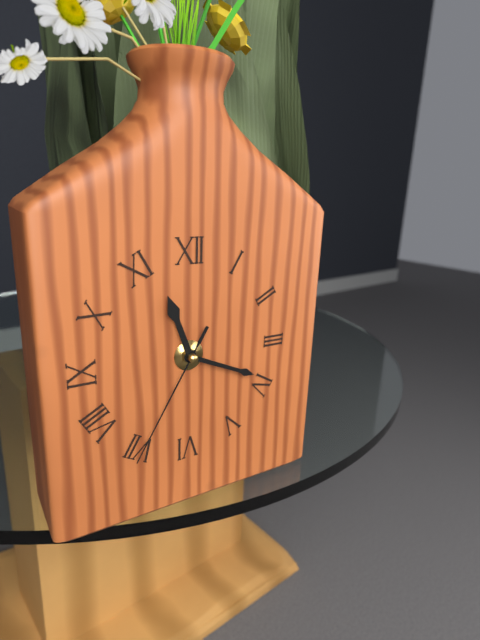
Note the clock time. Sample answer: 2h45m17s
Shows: 11h19m35s
